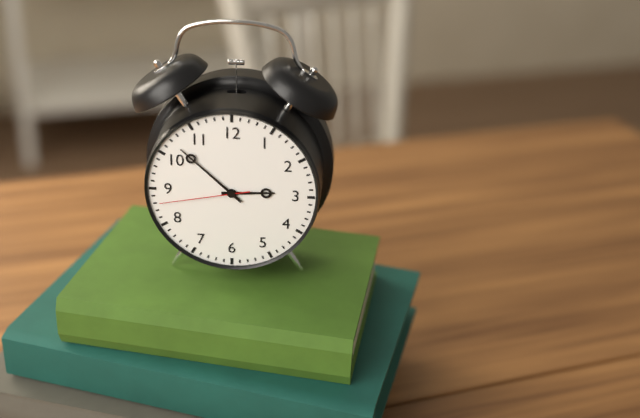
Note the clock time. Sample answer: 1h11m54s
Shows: 2h52m43s
